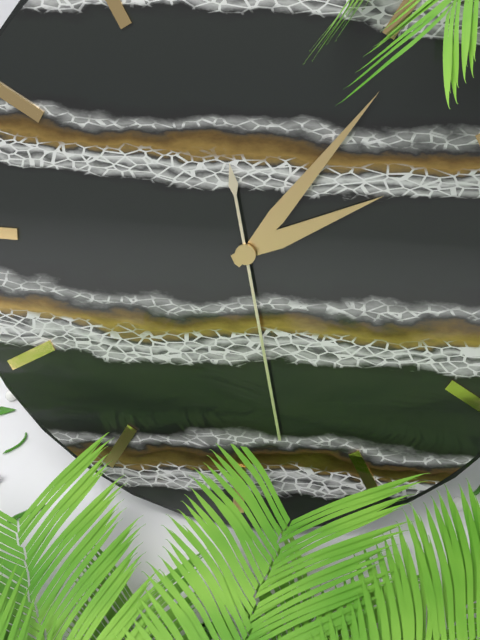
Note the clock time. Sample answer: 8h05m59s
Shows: 2h06m28s
